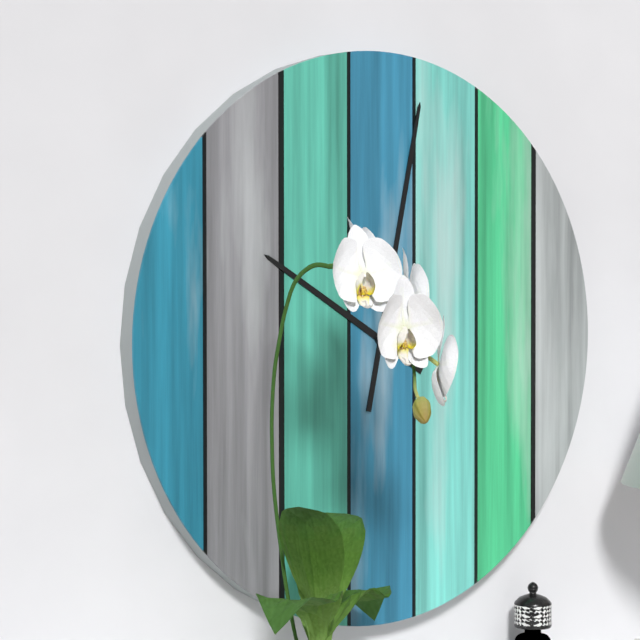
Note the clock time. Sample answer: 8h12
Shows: 10h02
